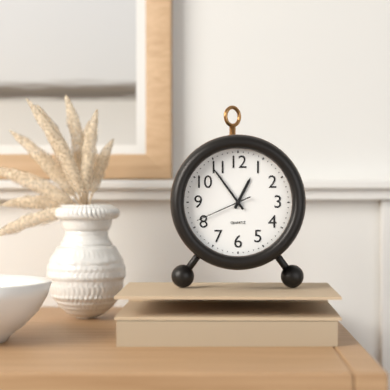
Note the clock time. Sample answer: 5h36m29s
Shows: 12h54m41s
